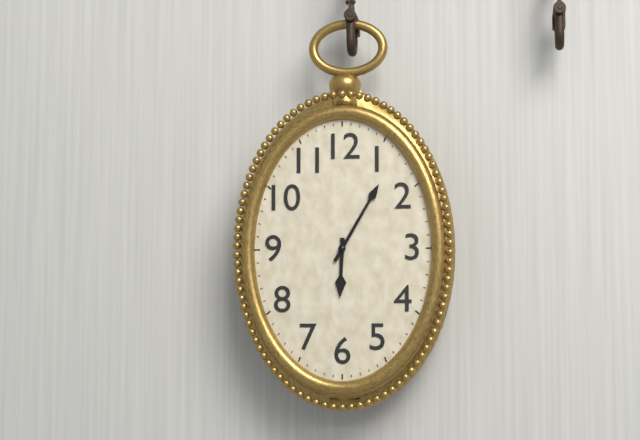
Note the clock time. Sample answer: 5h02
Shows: 6h05
